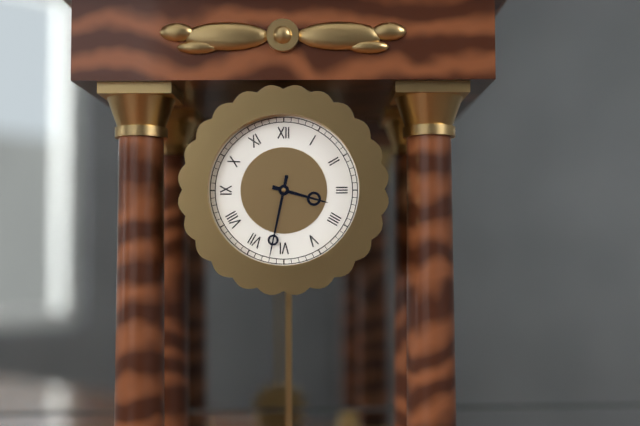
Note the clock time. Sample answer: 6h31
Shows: 3h32
